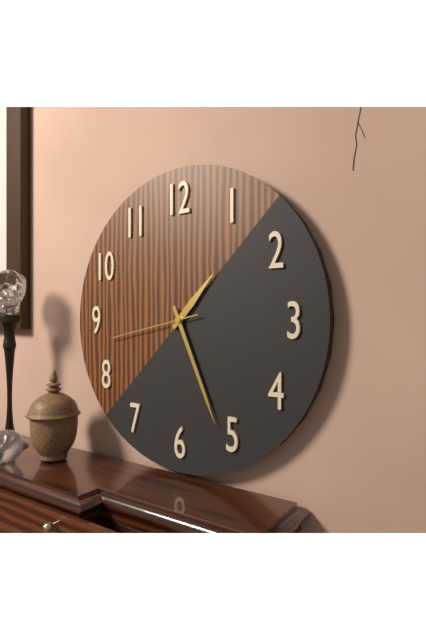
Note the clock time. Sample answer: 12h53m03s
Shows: 1h26m43s
